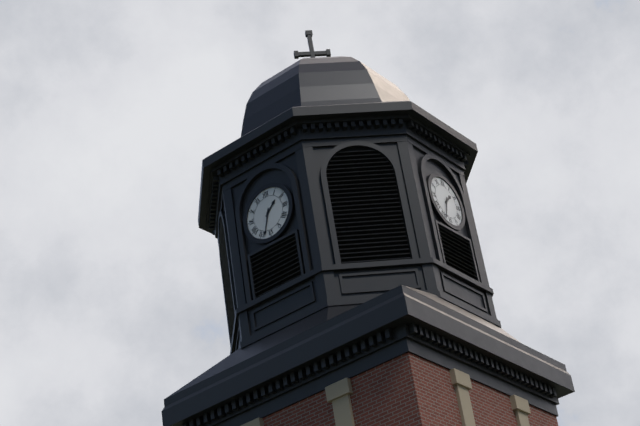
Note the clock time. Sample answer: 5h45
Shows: 1h33
